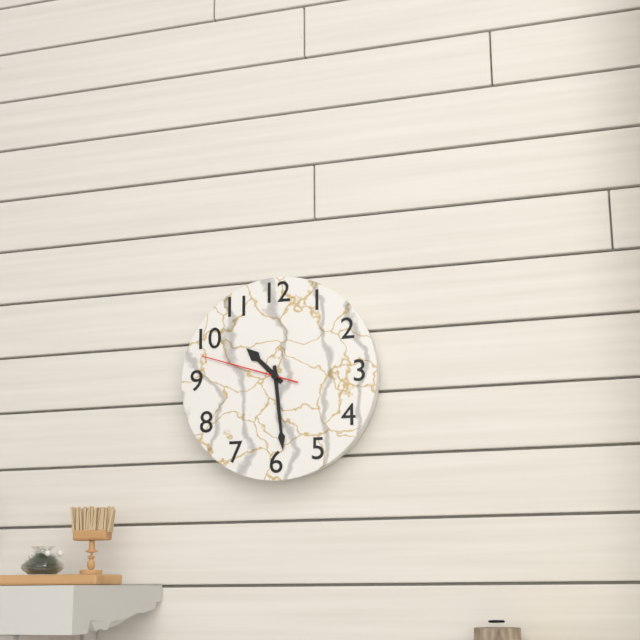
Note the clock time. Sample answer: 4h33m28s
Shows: 10h29m48s
